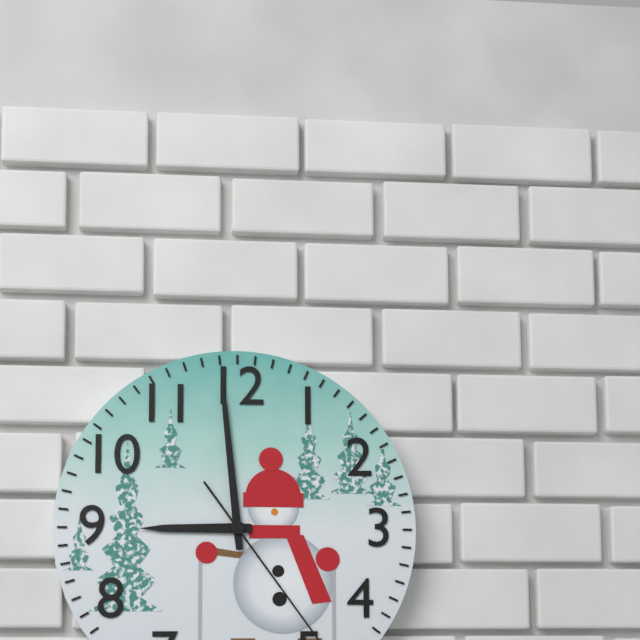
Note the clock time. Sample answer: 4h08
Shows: 8h59
